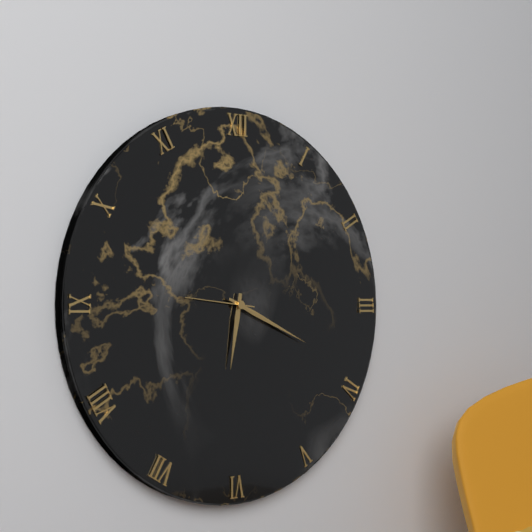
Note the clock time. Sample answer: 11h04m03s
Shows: 6h19m46s
